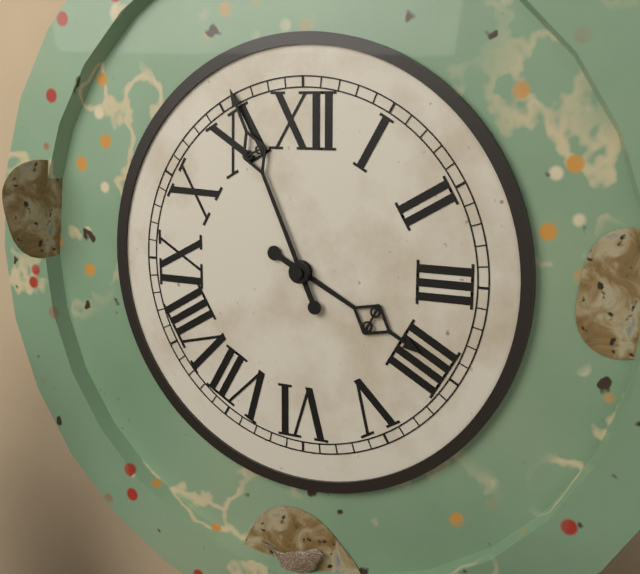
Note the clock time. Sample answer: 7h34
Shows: 3h56
